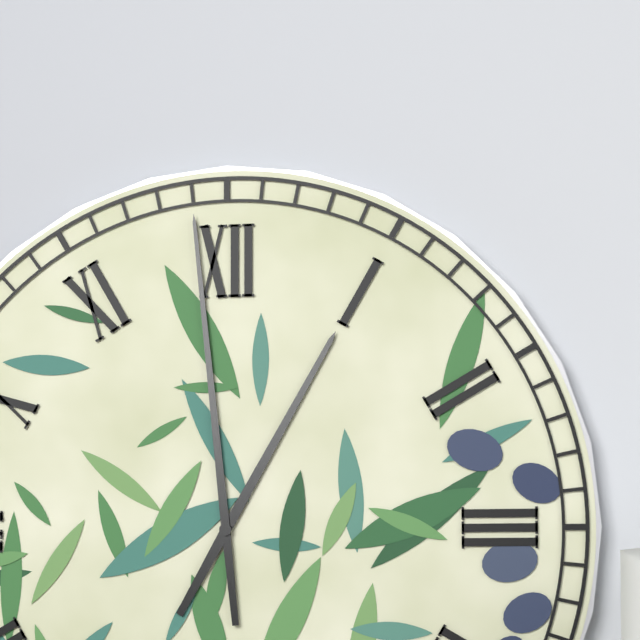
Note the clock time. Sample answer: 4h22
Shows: 12h59
